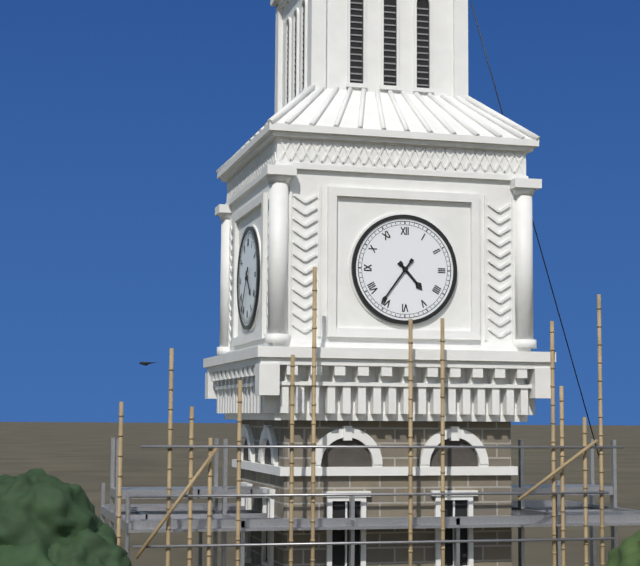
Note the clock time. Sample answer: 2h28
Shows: 4h36
